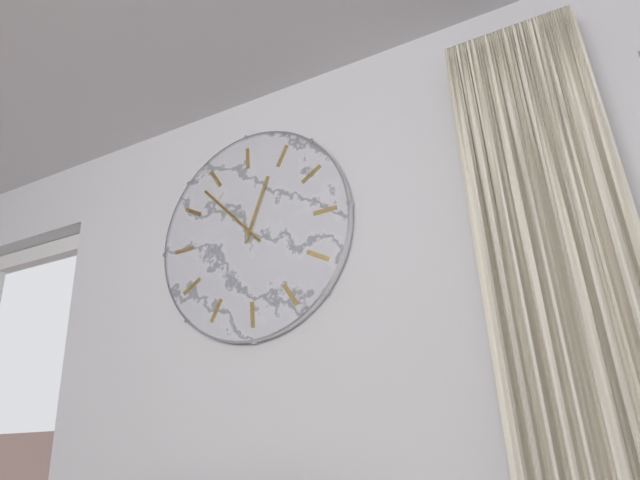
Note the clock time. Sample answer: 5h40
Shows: 11h48
